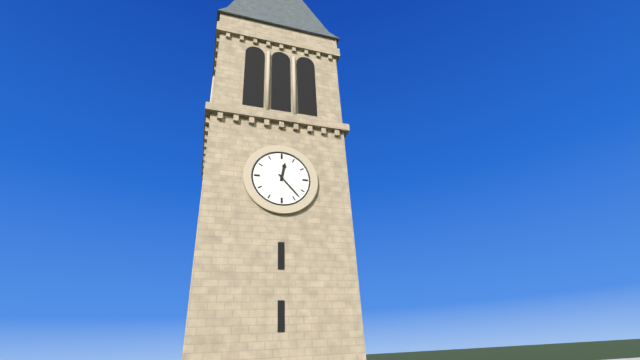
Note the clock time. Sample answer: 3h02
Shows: 12h23
